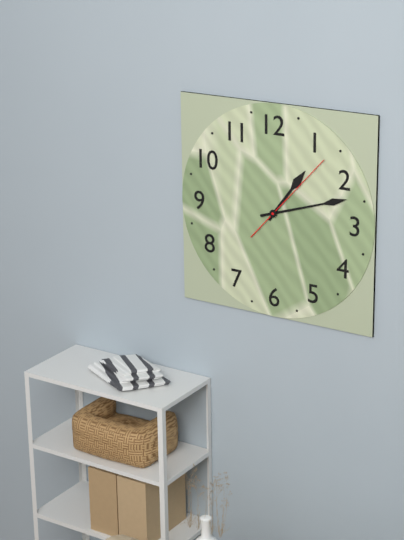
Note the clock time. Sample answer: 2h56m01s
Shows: 1h12m07s
